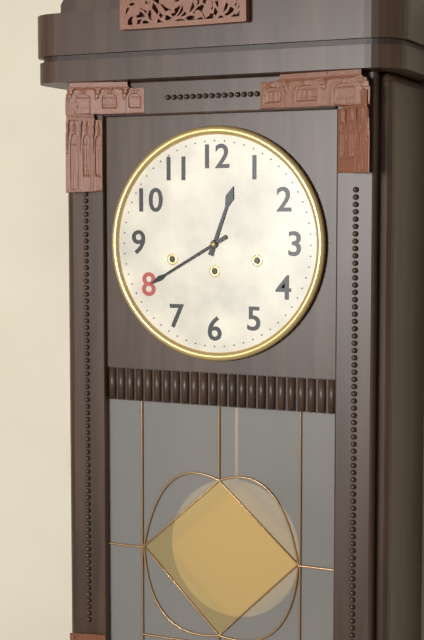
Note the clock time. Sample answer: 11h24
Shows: 12h40
